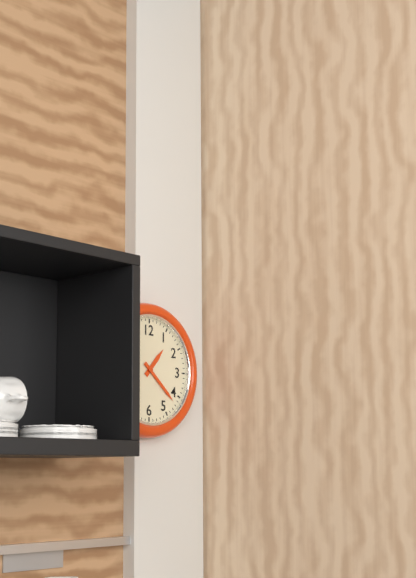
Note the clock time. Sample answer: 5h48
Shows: 1h22
